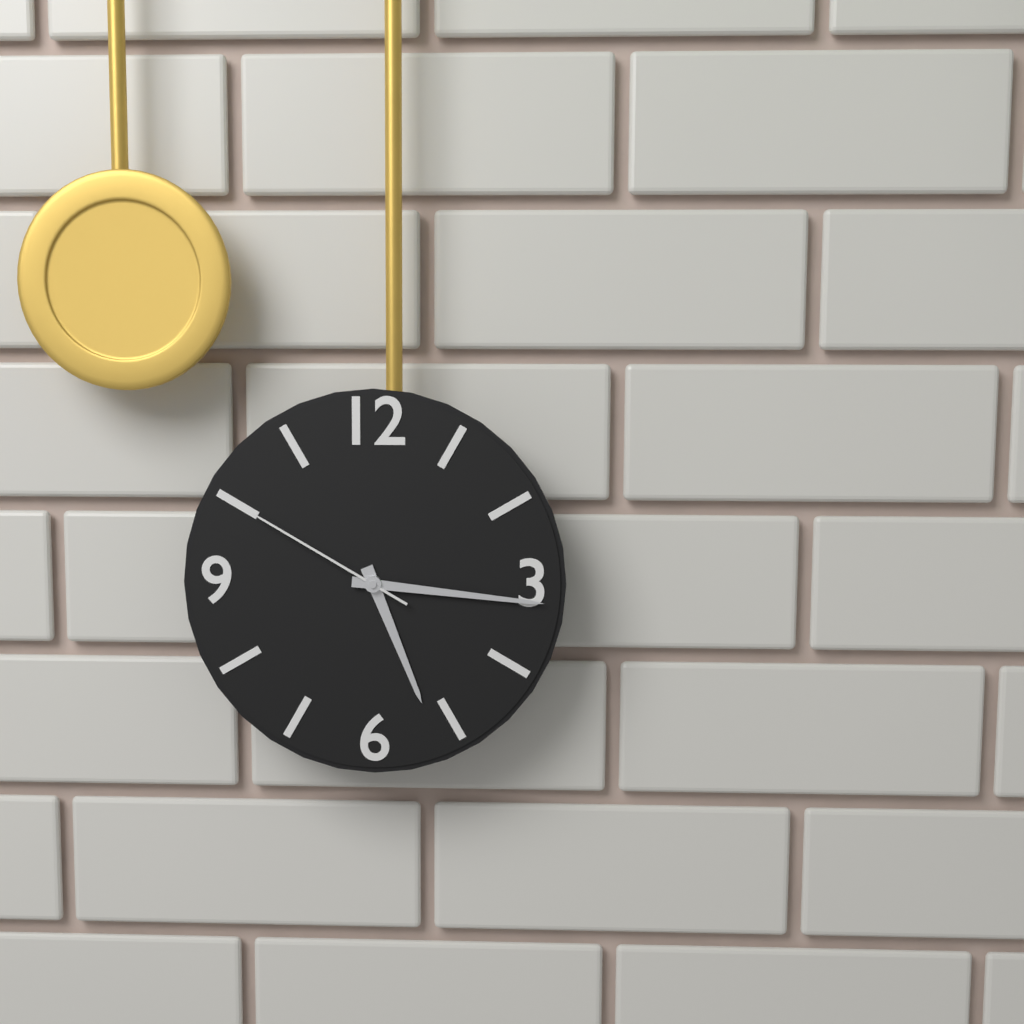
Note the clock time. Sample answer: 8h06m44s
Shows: 5h16m50s
